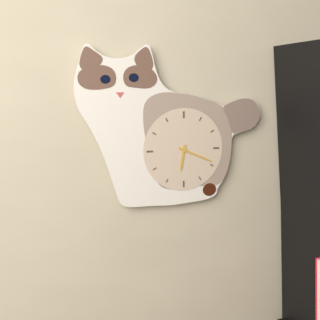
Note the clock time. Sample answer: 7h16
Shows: 6h19
